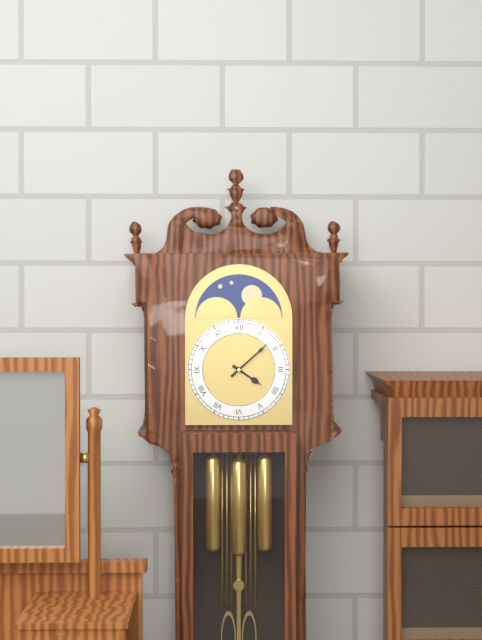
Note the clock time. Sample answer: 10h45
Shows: 4h08
